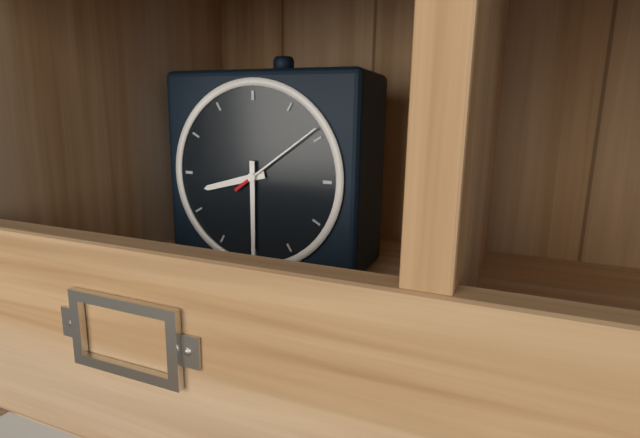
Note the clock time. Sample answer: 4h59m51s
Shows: 8h30m09s
